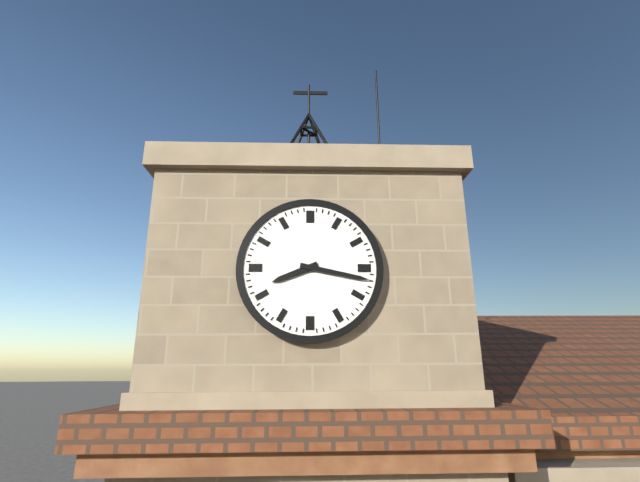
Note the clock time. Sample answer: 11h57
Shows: 8h17
